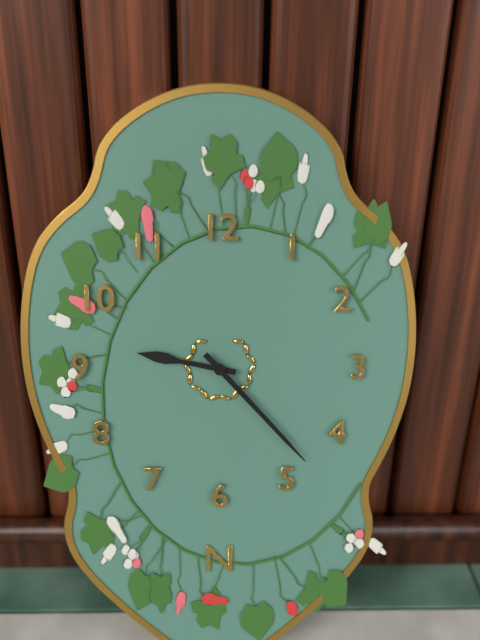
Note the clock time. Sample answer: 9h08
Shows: 9h23
